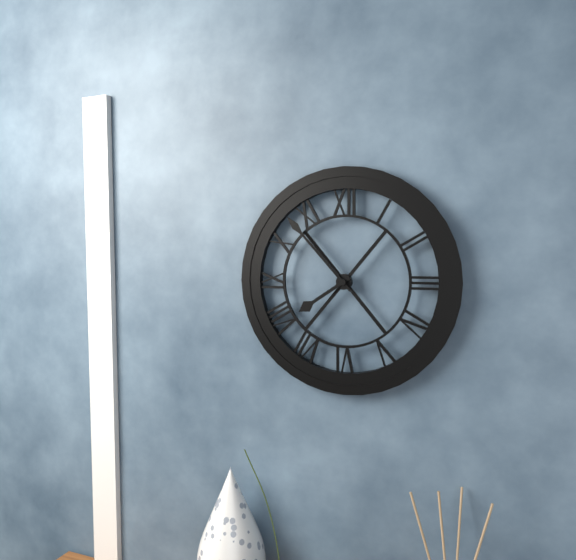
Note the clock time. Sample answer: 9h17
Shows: 7h53
